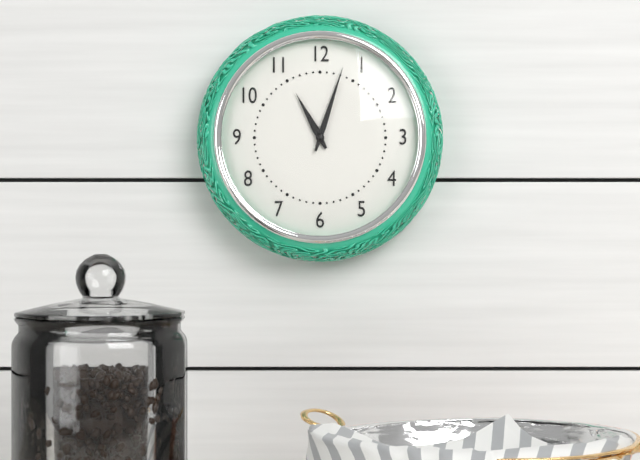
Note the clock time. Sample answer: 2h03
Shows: 11h03
